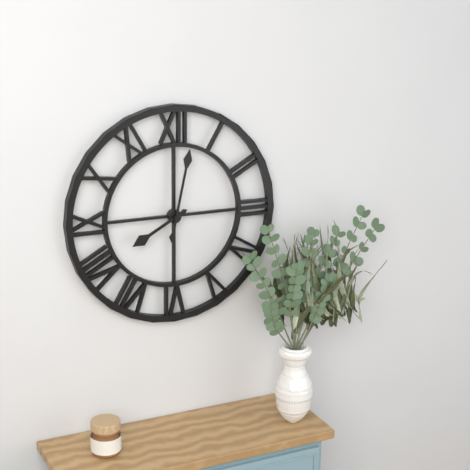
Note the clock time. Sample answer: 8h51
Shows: 8h02
